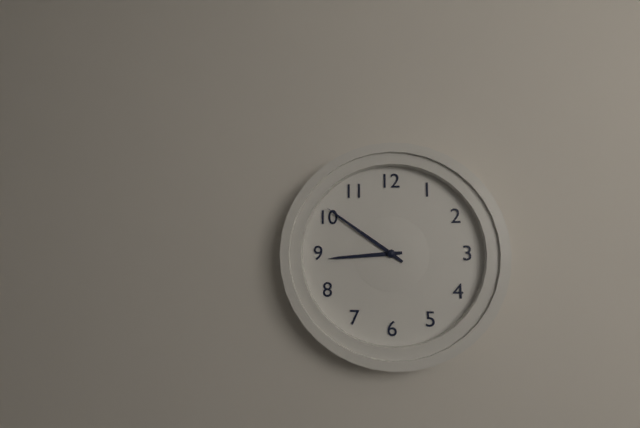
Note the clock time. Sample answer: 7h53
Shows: 8h51
